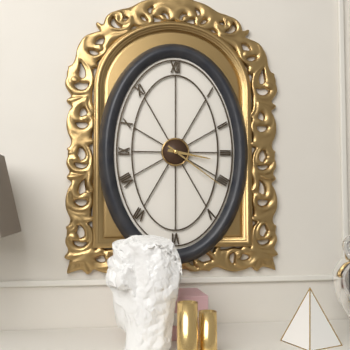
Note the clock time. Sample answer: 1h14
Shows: 3h21
